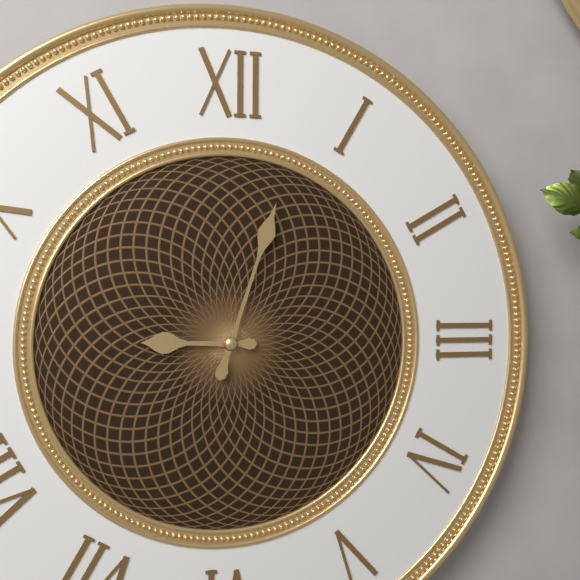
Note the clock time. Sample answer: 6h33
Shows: 9h03
